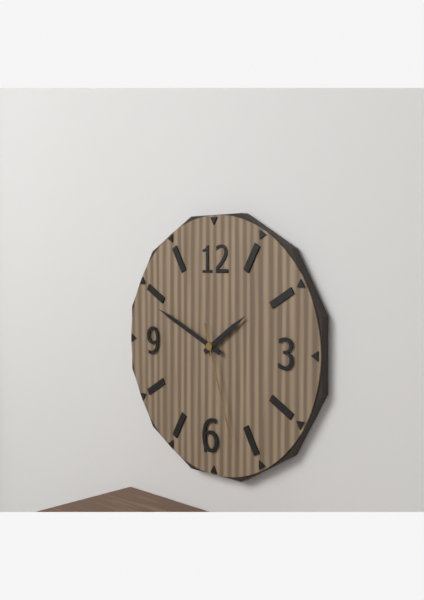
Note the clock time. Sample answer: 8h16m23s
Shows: 1h49m27s
